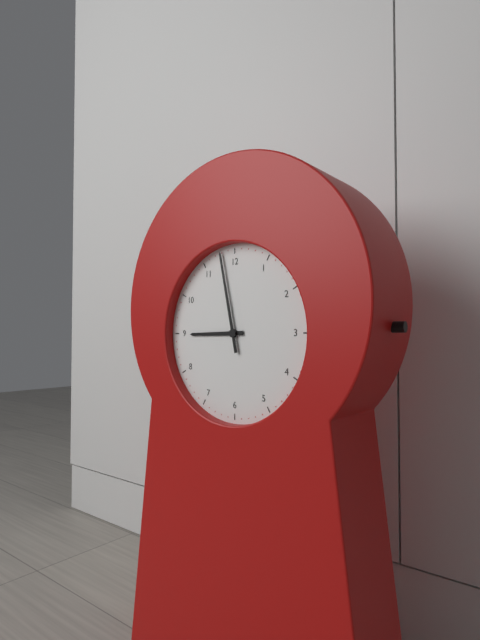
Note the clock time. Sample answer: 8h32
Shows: 8h58
